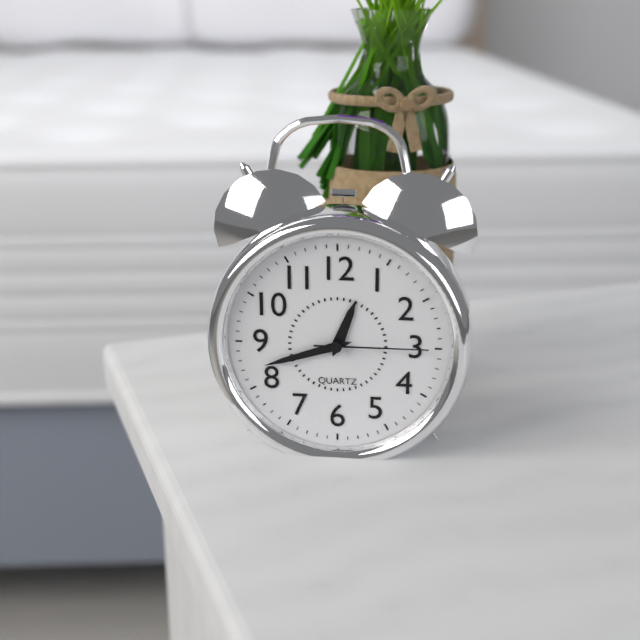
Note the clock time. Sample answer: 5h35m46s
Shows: 12h42m15s
